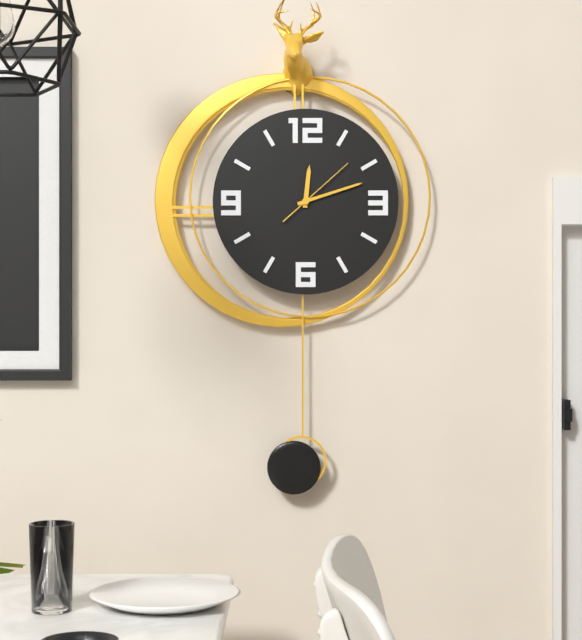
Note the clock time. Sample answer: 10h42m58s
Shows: 12h12m08s
